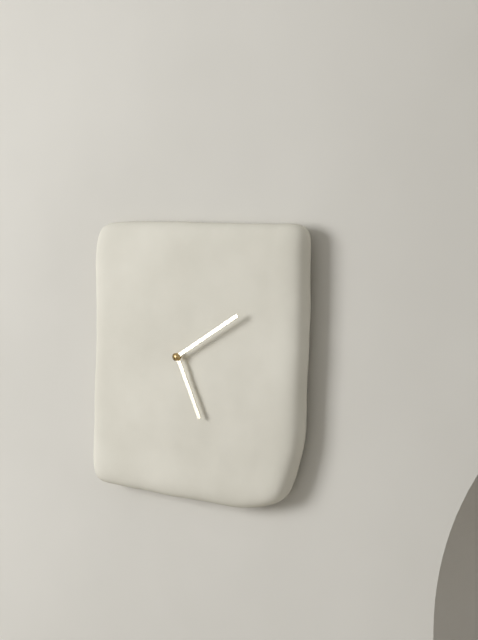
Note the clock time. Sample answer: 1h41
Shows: 5h10
